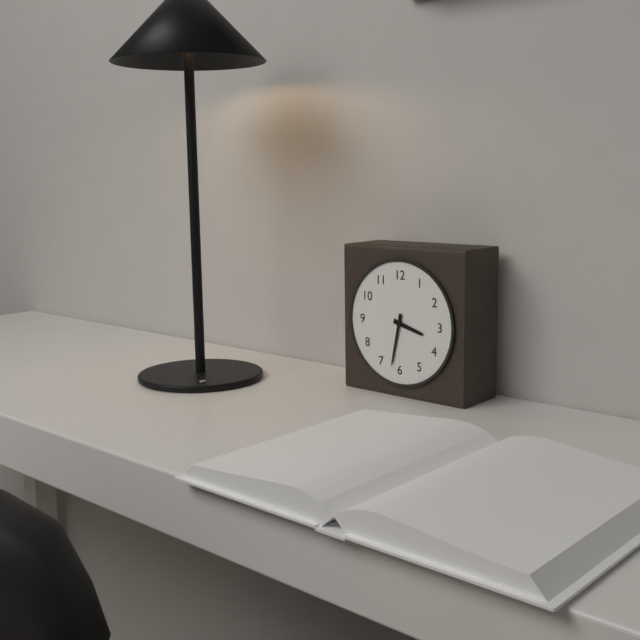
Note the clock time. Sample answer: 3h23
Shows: 3h32
